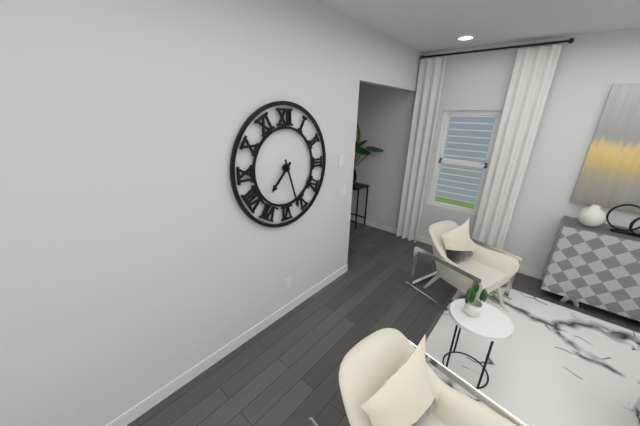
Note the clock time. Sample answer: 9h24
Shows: 7h27
